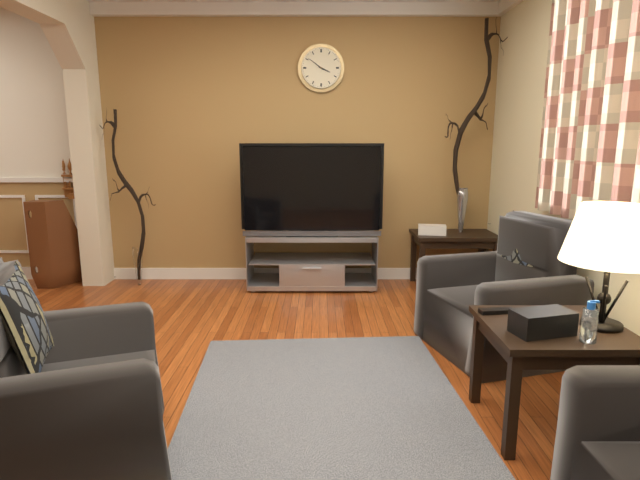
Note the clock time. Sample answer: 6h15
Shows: 3h51
